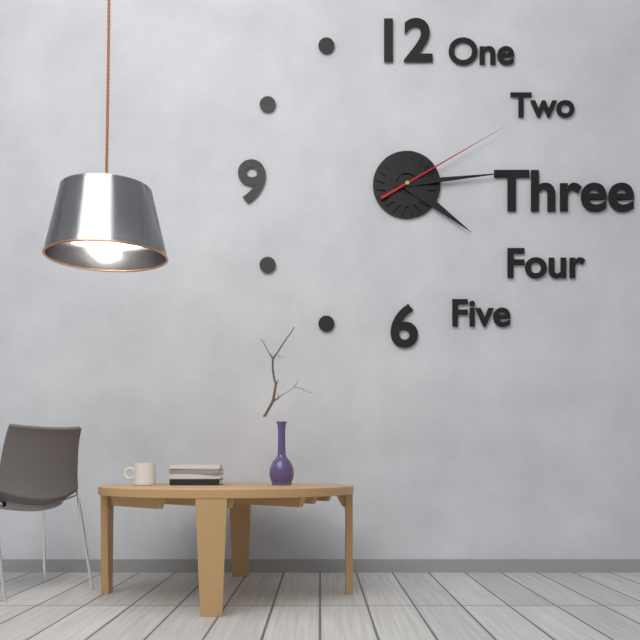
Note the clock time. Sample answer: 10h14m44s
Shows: 4h14m10s
